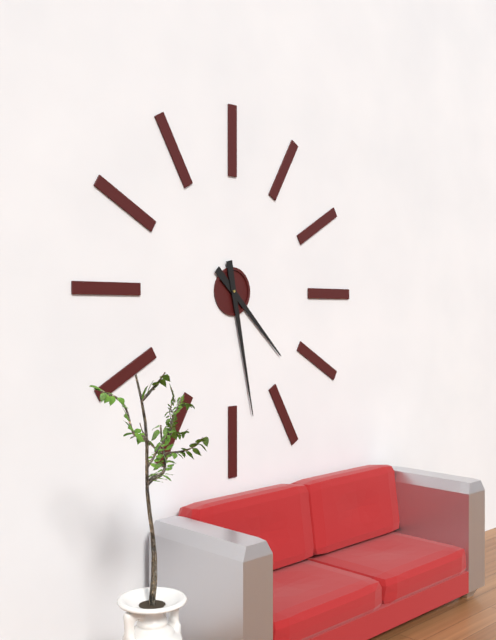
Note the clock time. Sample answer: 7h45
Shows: 4h28
